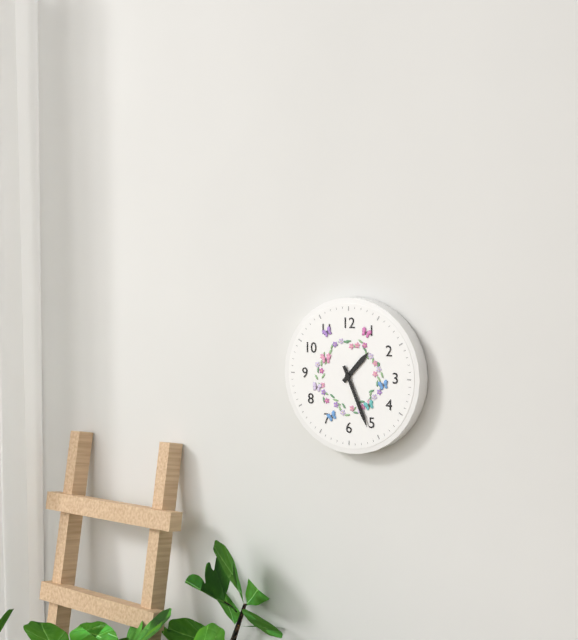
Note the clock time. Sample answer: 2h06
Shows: 1h26
